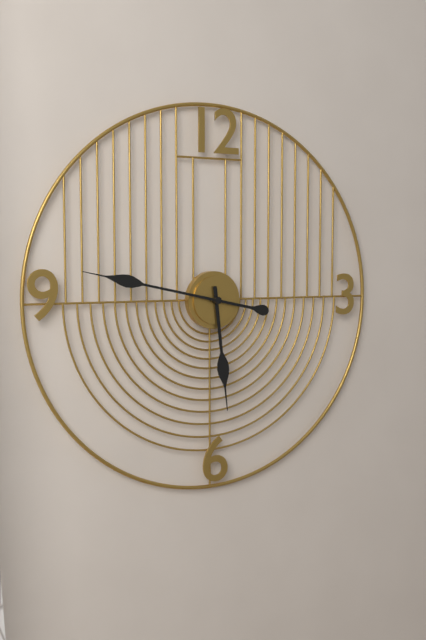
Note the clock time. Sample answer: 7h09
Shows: 5h47
